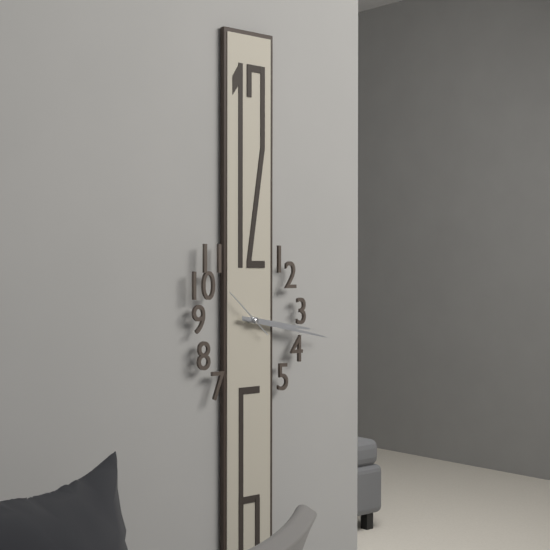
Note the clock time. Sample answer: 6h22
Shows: 3h17
